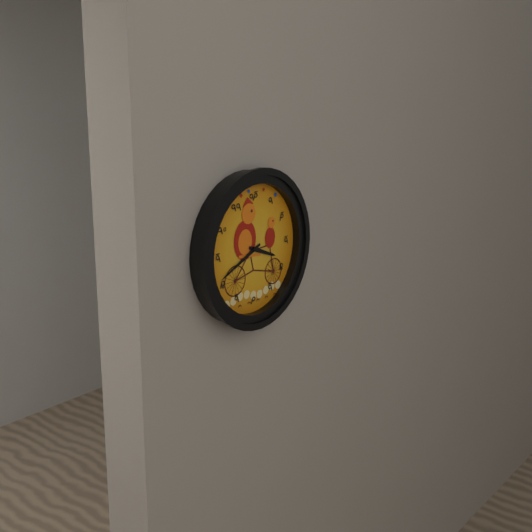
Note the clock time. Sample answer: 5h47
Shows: 3h41
